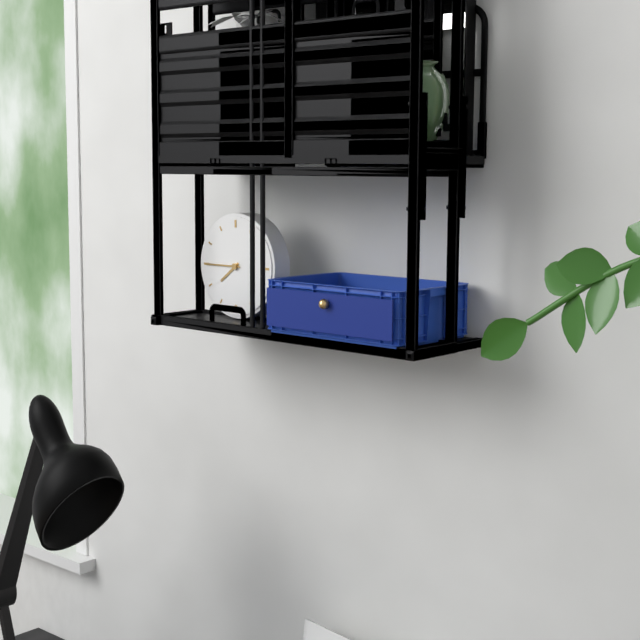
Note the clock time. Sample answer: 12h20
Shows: 7h45
